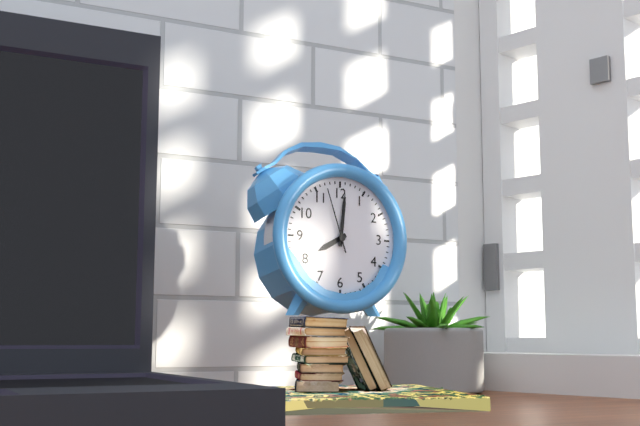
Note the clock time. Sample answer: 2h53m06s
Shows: 8h01m57s
